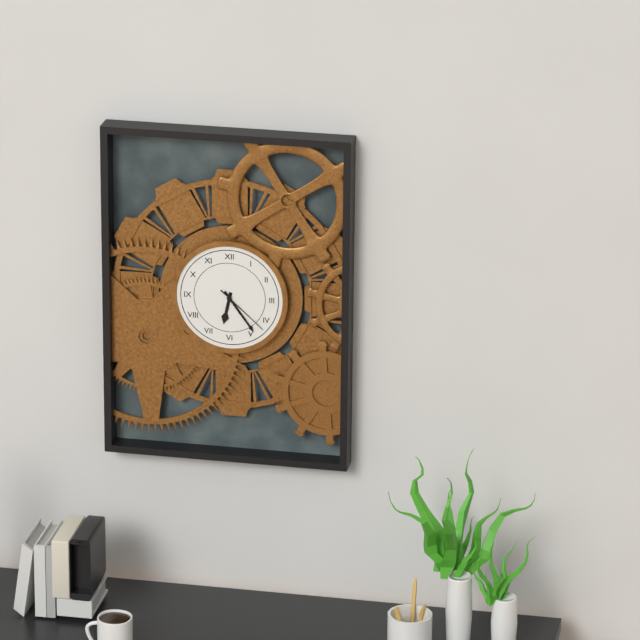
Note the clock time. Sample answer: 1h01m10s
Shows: 6h24m22s
